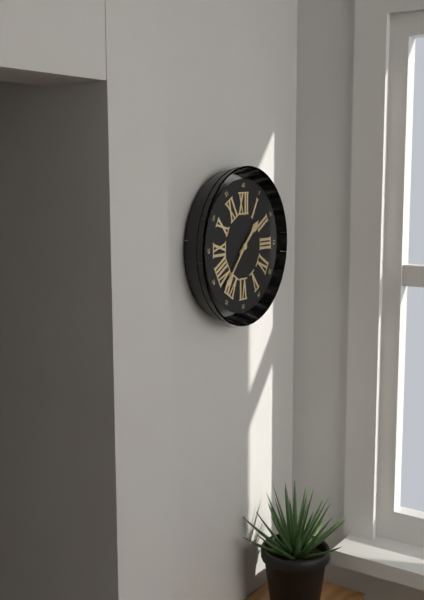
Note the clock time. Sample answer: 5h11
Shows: 1h37
